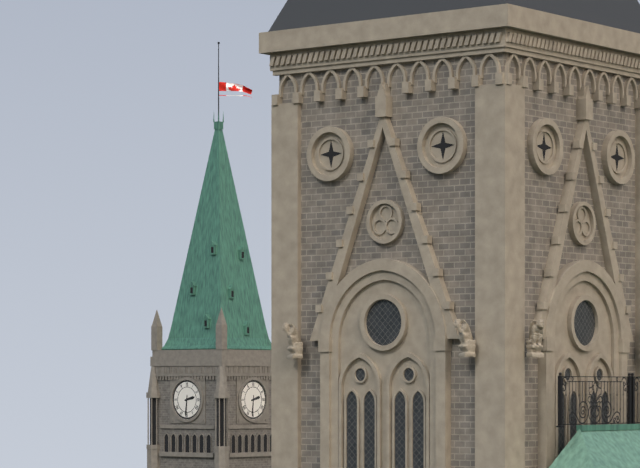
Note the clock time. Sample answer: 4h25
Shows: 2h31
